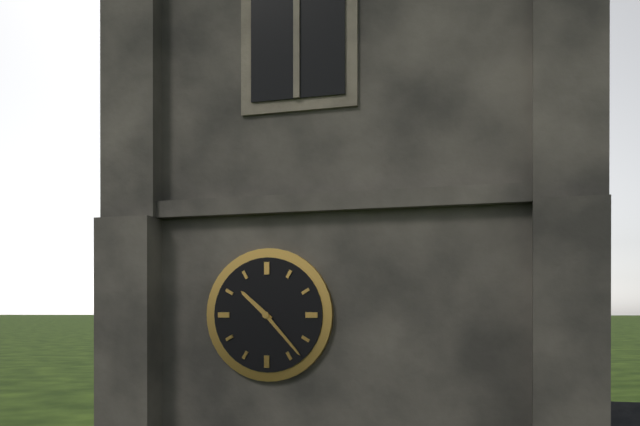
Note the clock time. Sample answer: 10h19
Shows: 10h23
